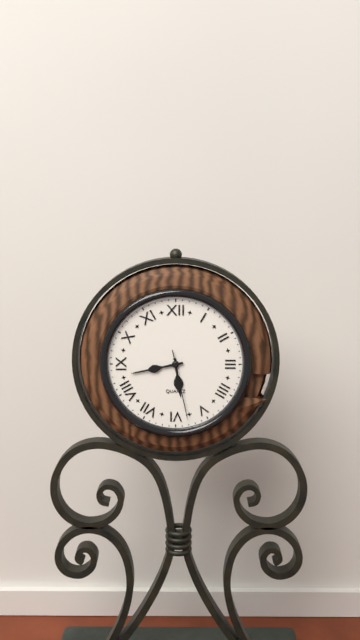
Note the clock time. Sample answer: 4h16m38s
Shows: 5h43m28s
